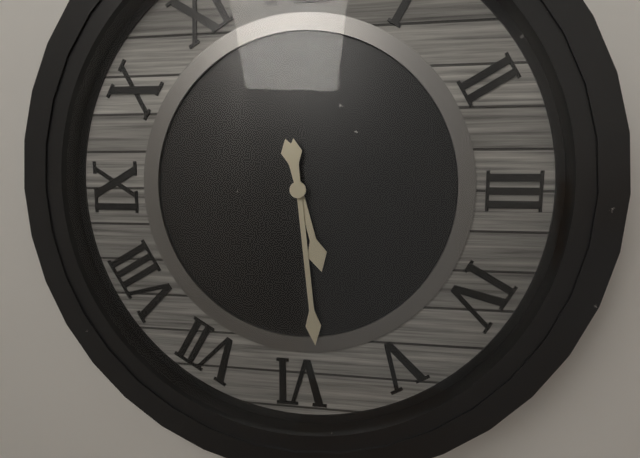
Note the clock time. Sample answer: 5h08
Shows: 5h29
